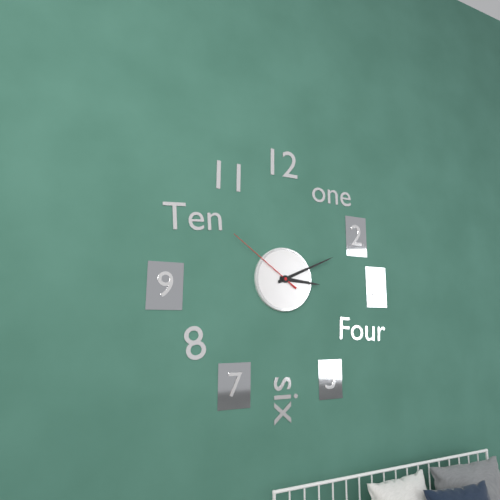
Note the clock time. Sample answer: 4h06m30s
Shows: 3h11m51s
